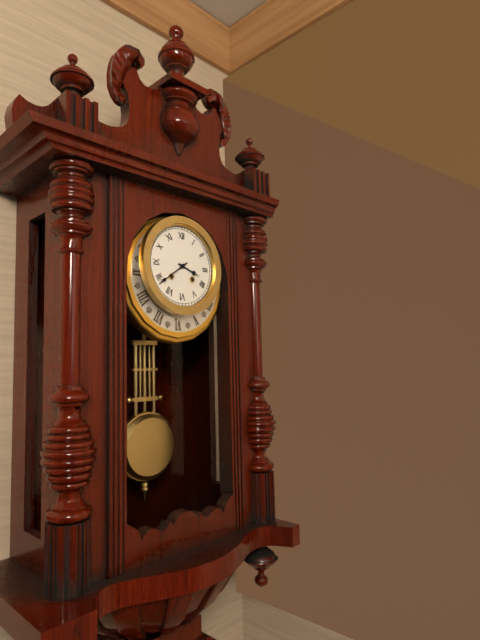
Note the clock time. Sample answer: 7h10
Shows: 3h39
